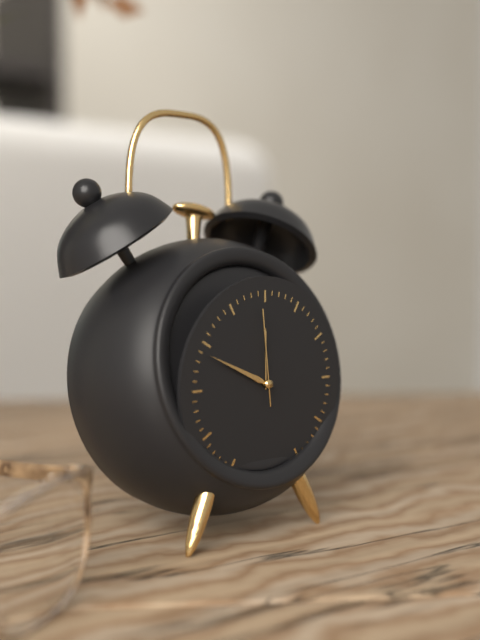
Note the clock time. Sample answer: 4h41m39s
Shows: 9h49m59s
